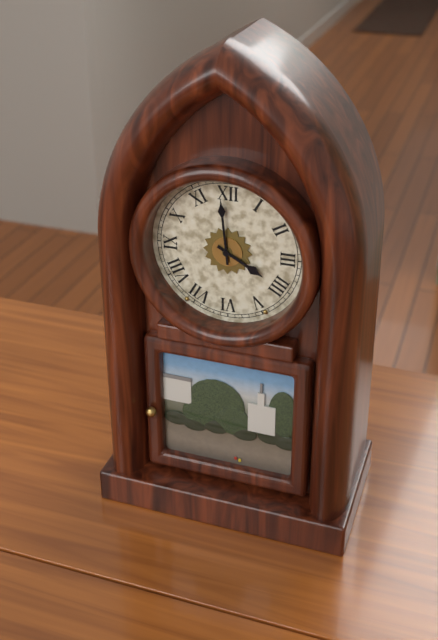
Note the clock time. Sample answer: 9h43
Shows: 3h59
